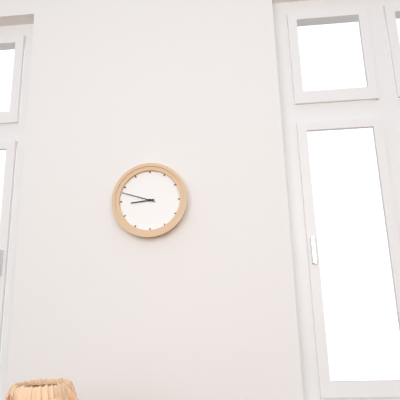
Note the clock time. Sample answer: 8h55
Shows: 8h48
